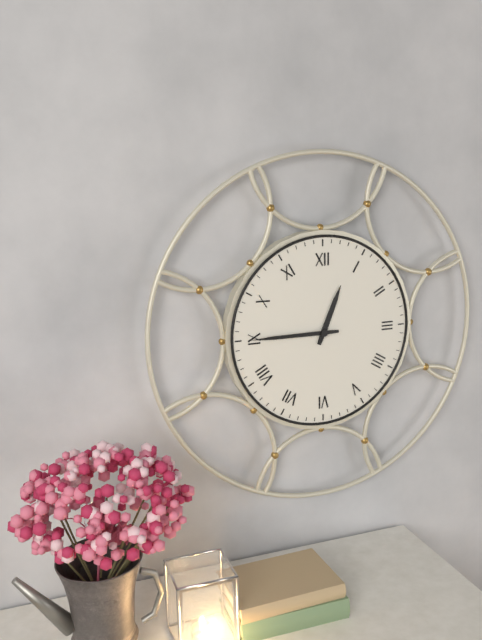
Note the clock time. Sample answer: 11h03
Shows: 12h45
